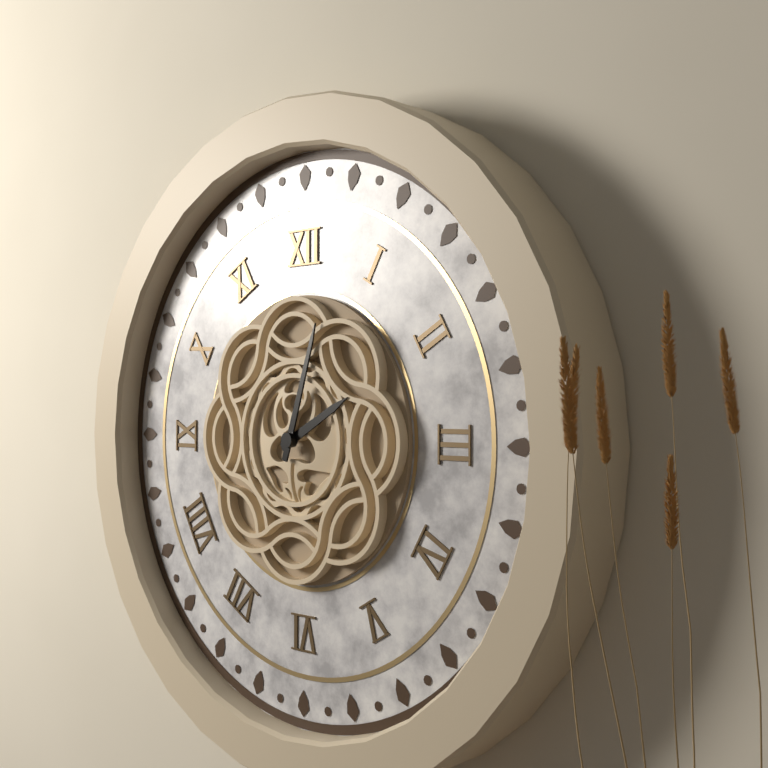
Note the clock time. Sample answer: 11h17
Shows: 2h03
